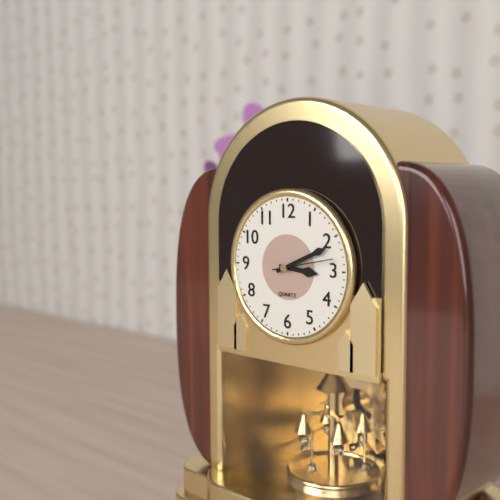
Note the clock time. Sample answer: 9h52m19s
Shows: 3h11m13s
